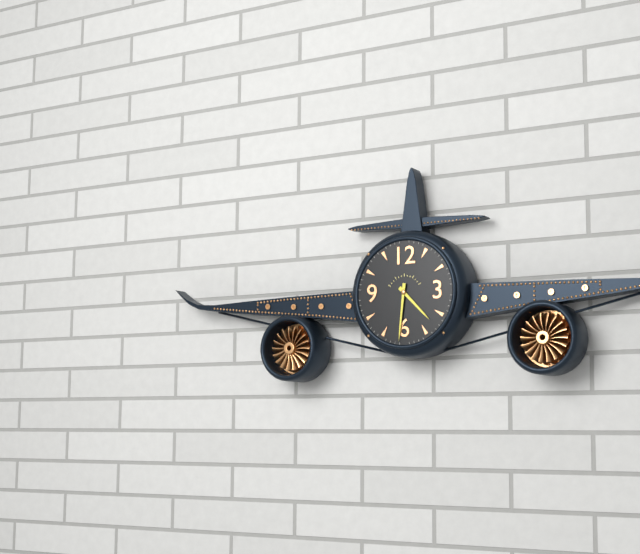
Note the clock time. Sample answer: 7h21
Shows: 4h31
